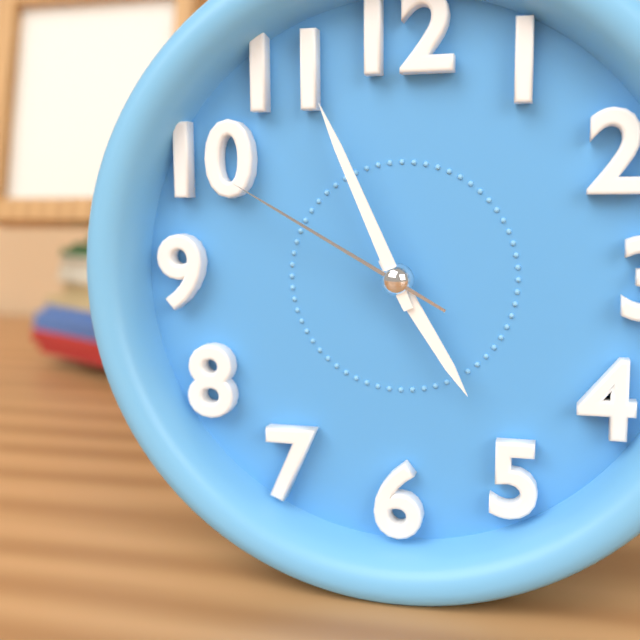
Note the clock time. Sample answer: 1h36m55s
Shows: 4h56m50s
